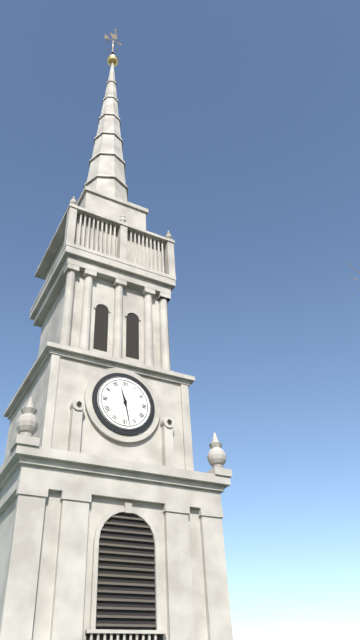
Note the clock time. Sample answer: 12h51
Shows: 11h28
